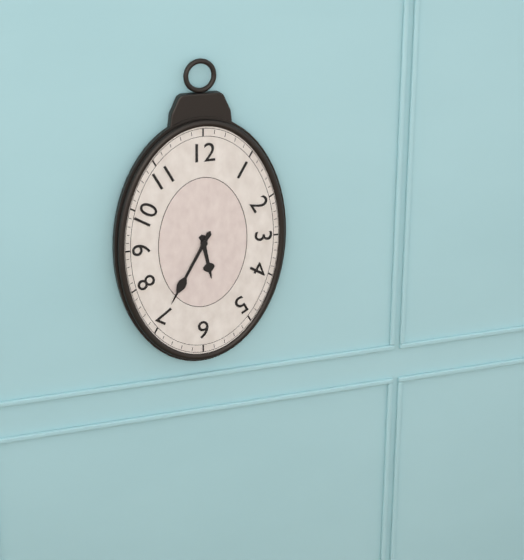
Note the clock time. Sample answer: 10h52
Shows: 5h35
